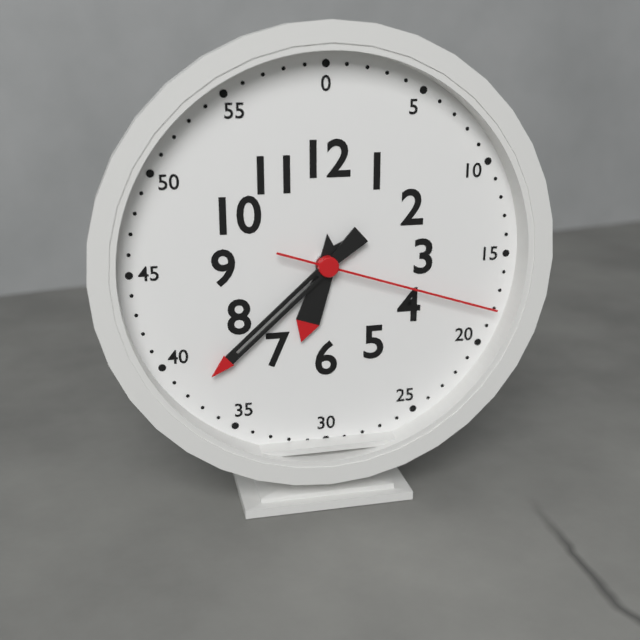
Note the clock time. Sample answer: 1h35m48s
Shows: 6h38m18s
